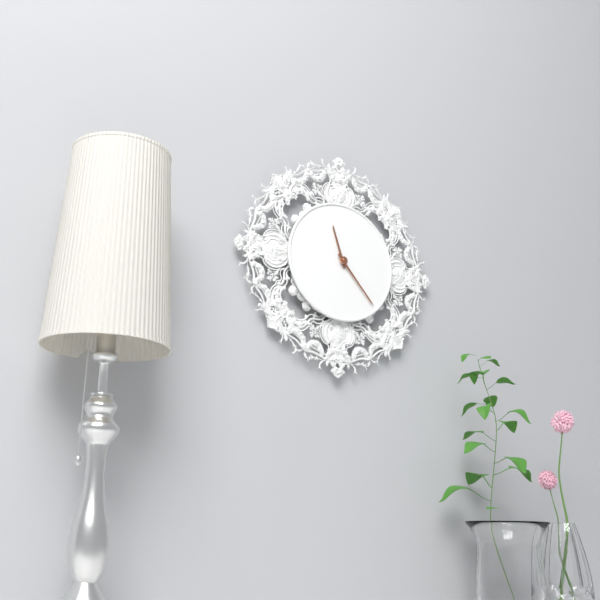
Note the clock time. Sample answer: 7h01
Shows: 11h23
